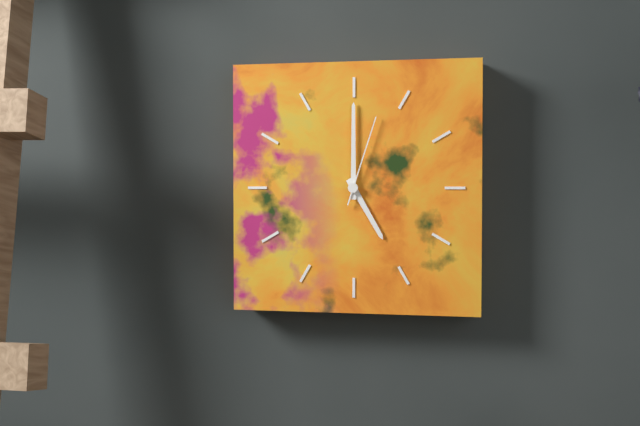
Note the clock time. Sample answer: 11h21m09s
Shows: 5h00m03s
